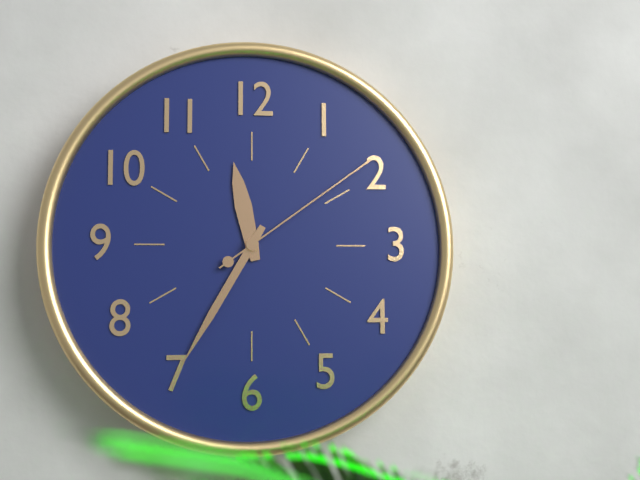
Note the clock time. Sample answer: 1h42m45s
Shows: 11h35m09s
